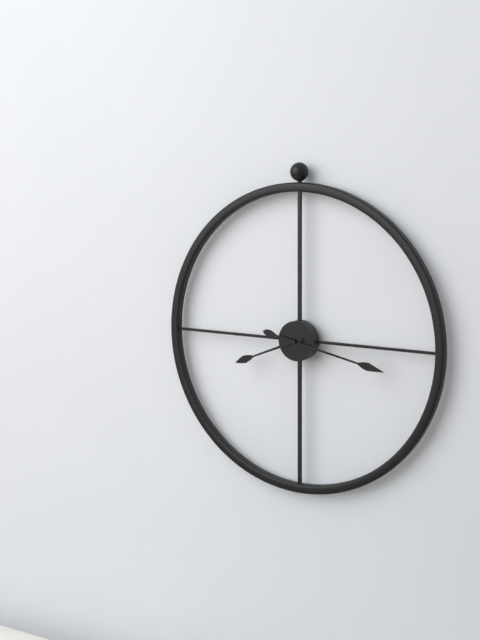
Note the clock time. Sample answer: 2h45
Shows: 8h17
